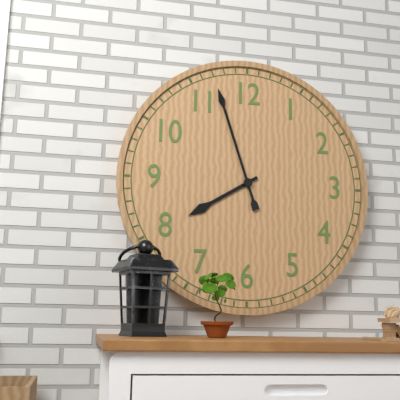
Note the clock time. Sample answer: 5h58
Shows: 7h57
